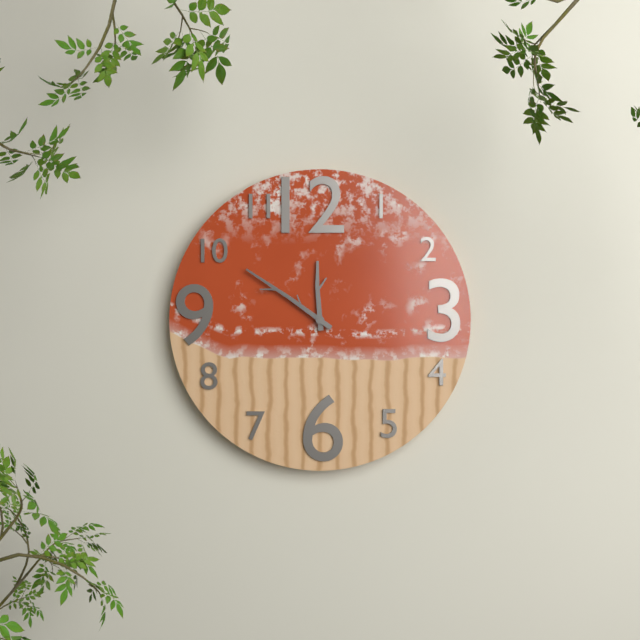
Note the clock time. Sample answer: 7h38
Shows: 11h51
